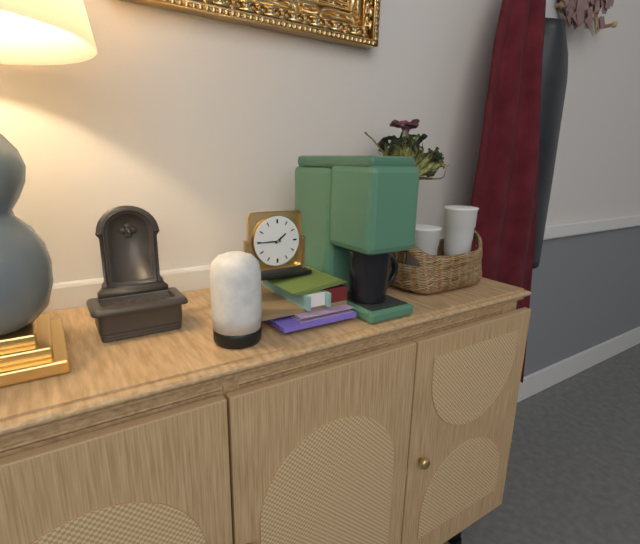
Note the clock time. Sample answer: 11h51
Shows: 1h45
